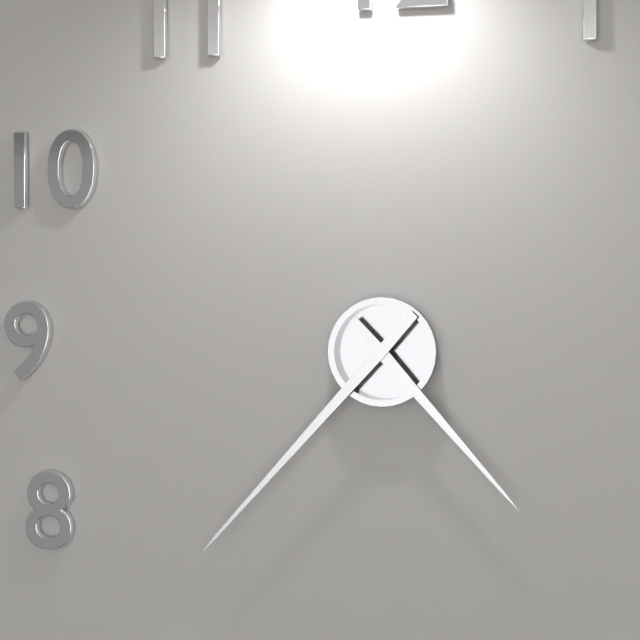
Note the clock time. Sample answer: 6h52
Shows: 4h37
